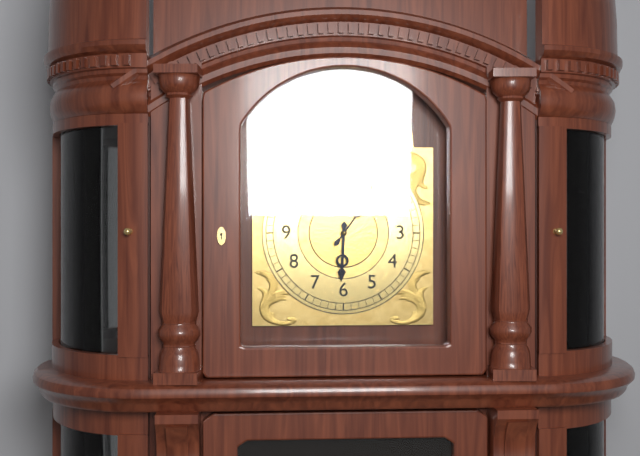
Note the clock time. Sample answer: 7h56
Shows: 6h06
